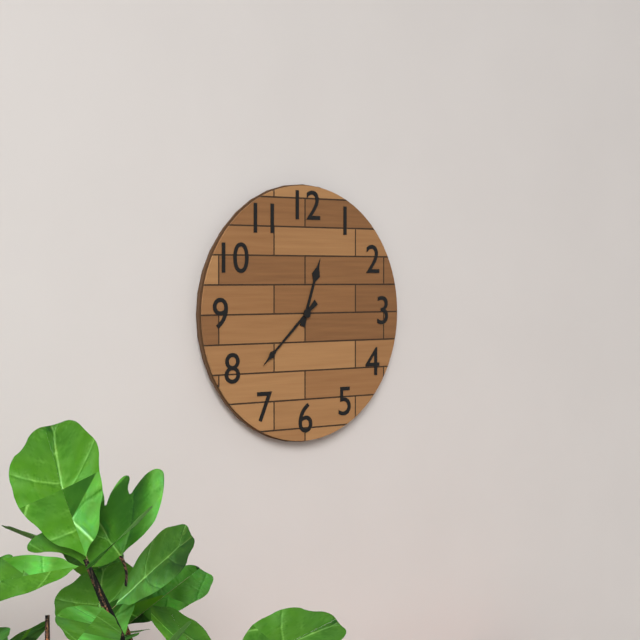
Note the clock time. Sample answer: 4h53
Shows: 12h38
